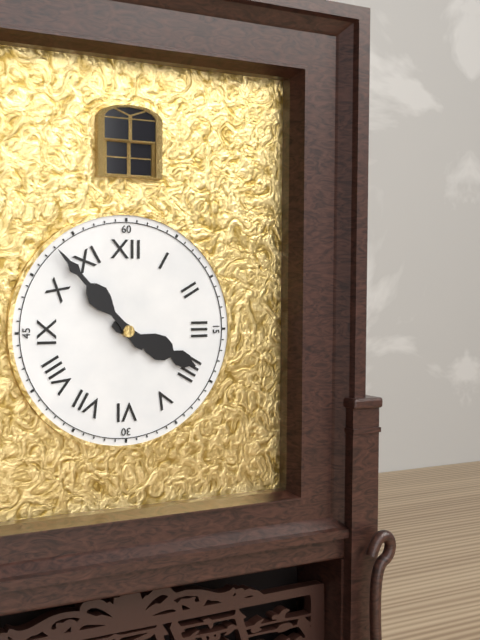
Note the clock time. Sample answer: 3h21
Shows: 3h53
